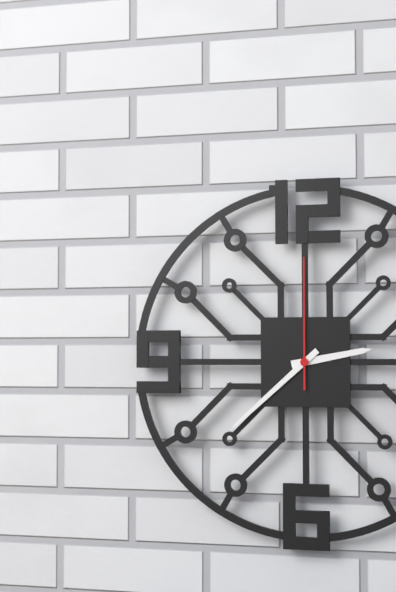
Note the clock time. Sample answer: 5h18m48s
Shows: 2h38m00s
